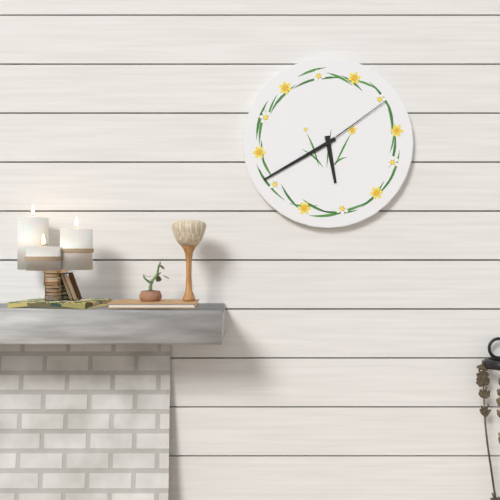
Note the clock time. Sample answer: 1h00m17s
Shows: 5h40m09s
